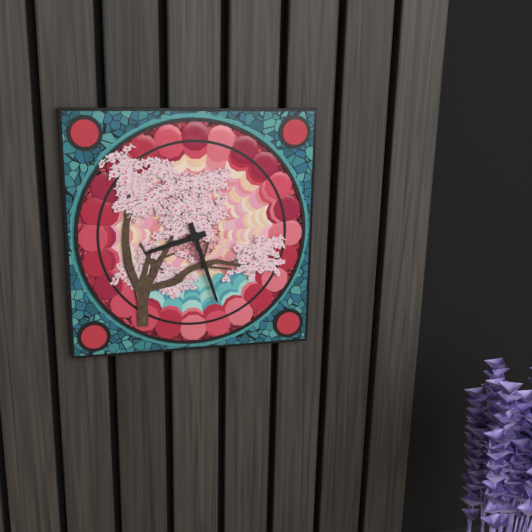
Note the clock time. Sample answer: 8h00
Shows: 8h27
